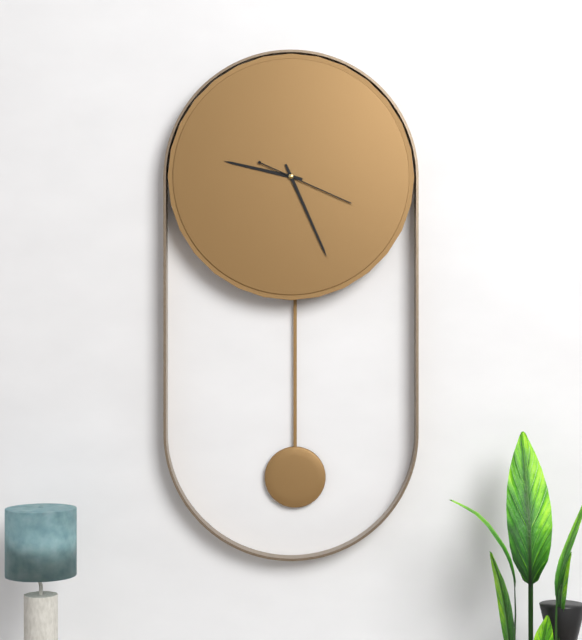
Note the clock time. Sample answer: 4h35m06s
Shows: 9h26m19s
